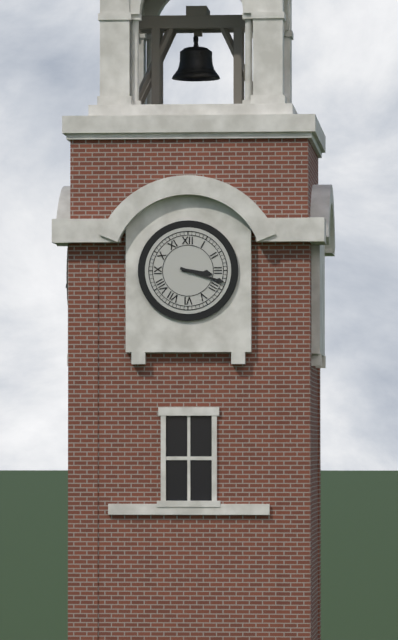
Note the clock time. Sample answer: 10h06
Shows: 3h18
